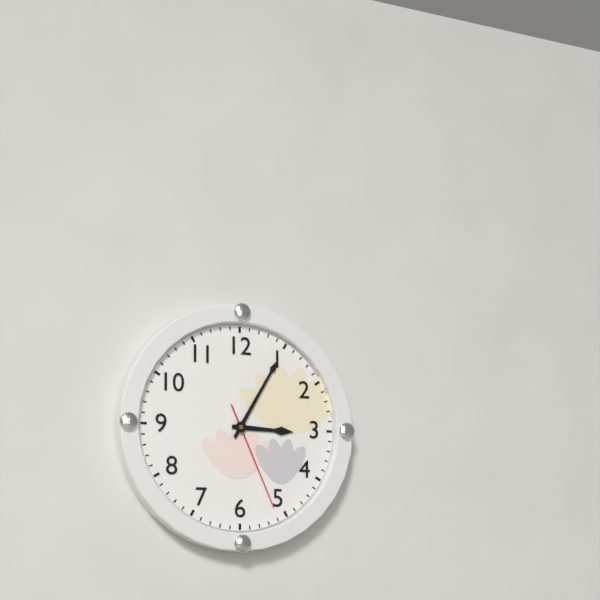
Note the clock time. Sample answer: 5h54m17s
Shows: 3h05m26s
